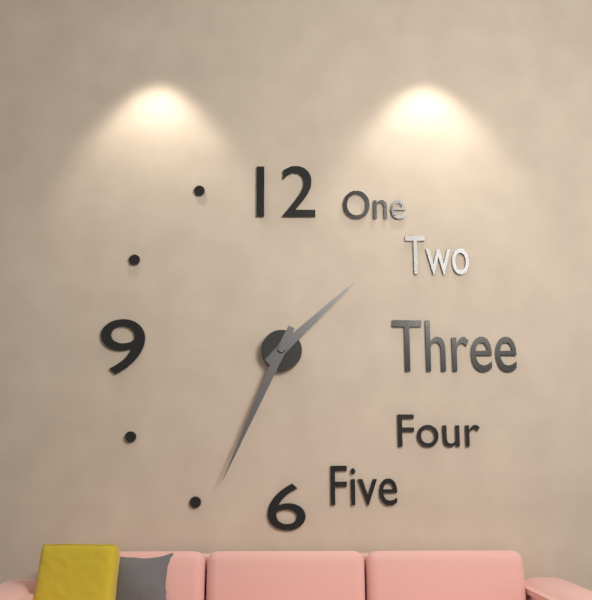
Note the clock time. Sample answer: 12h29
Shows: 1h34
